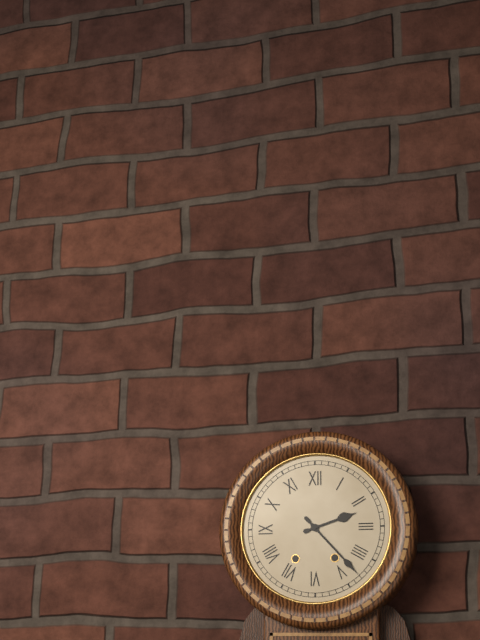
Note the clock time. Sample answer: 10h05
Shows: 2h23
